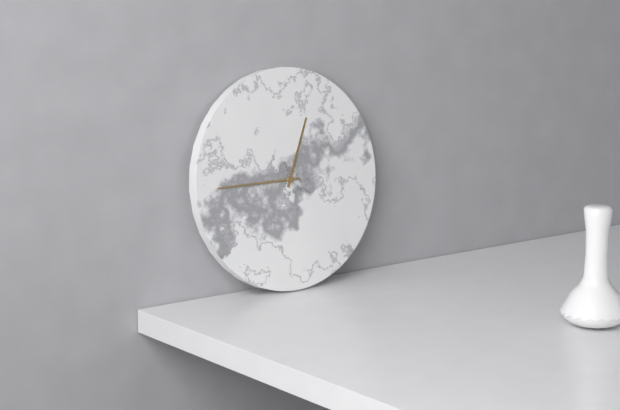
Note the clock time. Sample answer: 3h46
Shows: 12h45
